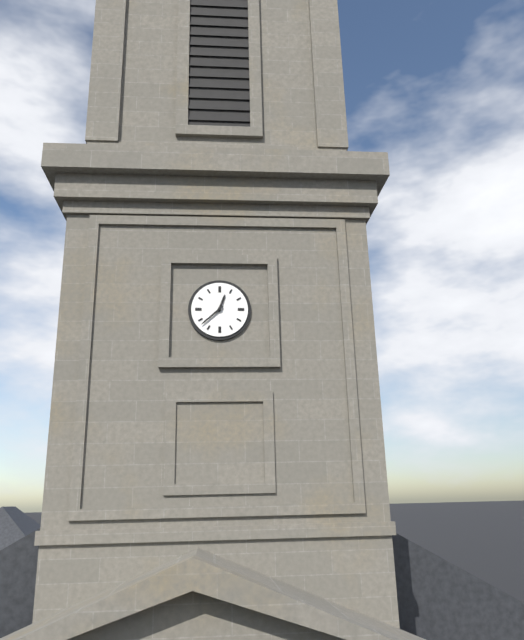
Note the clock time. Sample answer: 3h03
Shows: 12h38
